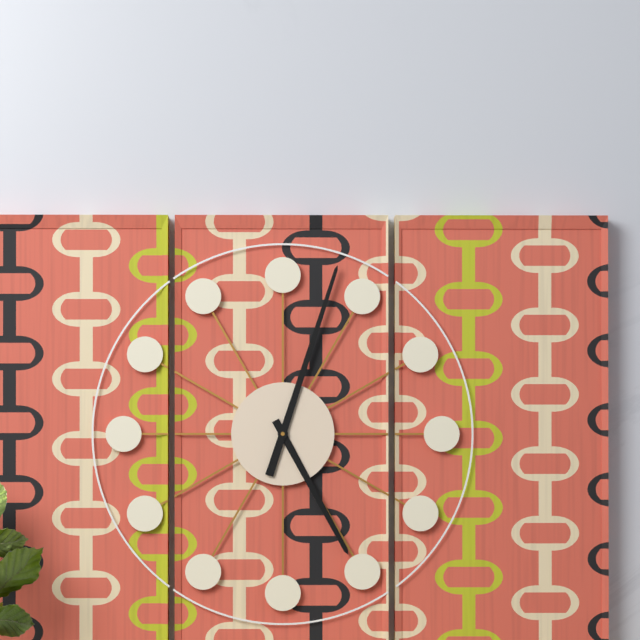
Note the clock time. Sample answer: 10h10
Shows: 5h03
